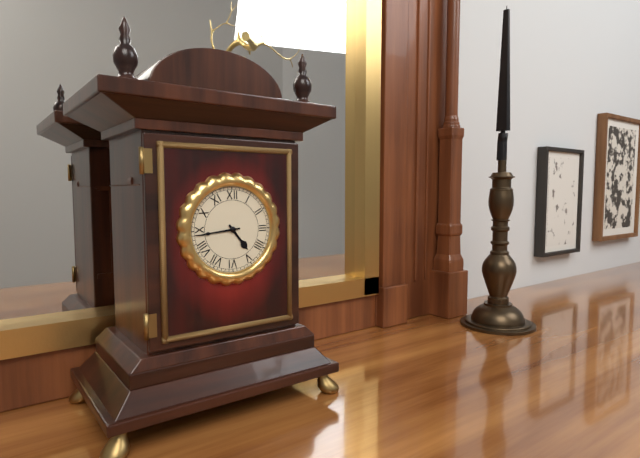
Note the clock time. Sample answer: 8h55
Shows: 4h44
